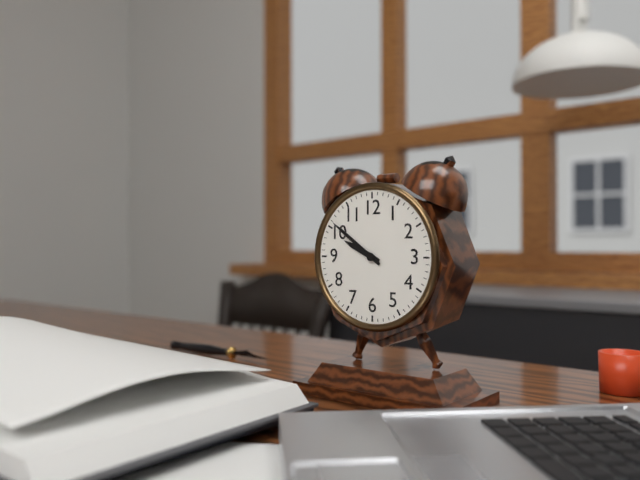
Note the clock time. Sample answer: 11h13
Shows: 9h51
